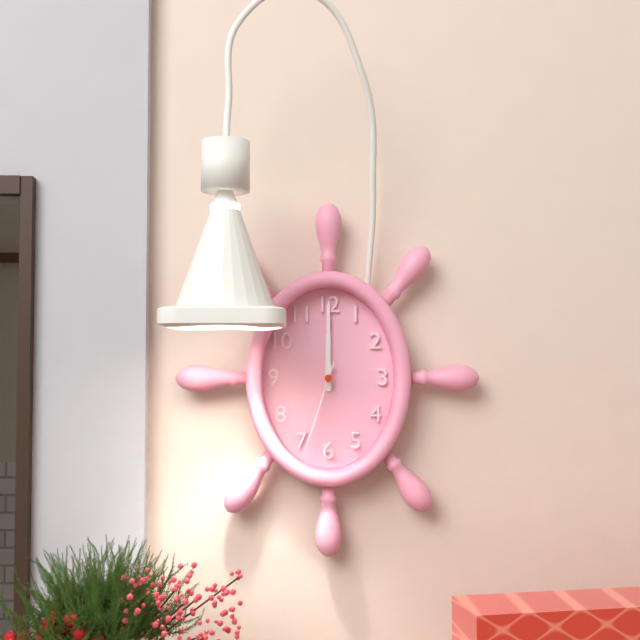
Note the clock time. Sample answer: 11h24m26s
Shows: 12h00m33s
